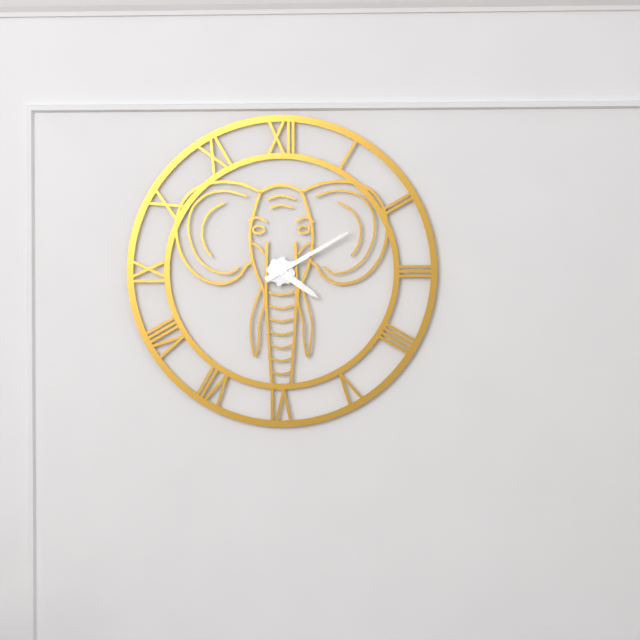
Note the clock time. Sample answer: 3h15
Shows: 4h10
